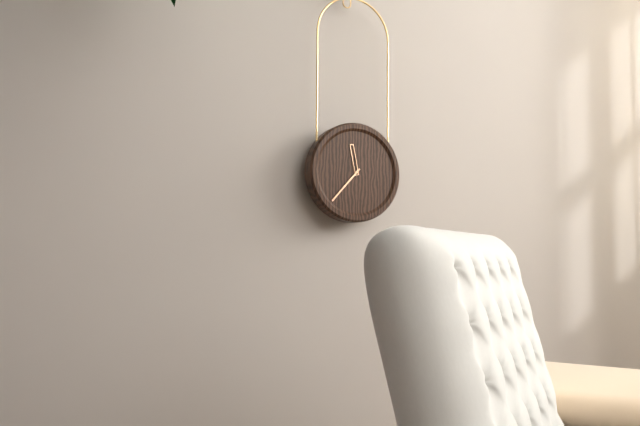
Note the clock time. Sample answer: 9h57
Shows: 11h37
